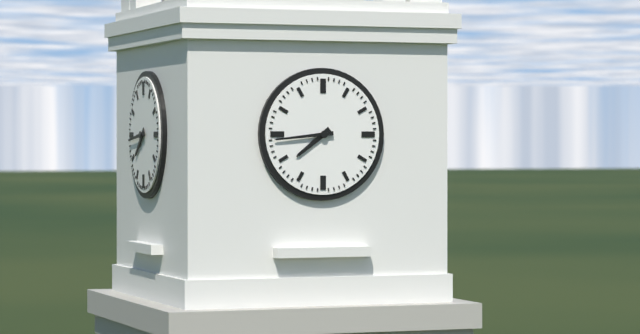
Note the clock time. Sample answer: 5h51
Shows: 7h44
